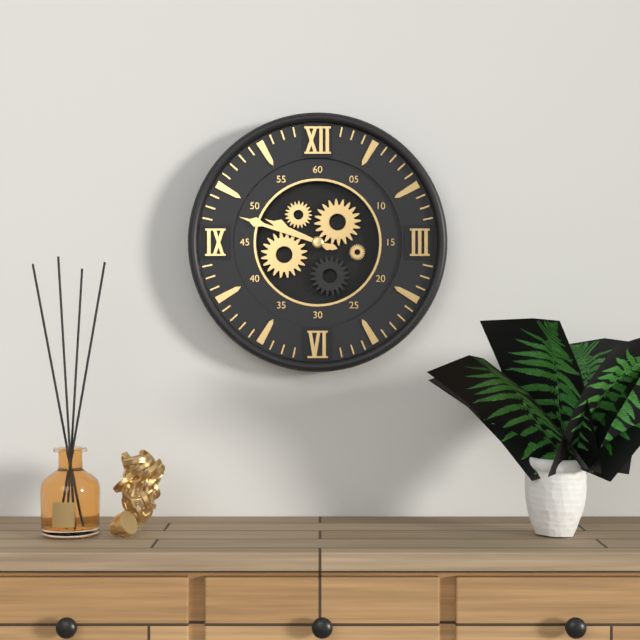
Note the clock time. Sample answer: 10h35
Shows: 9h48
